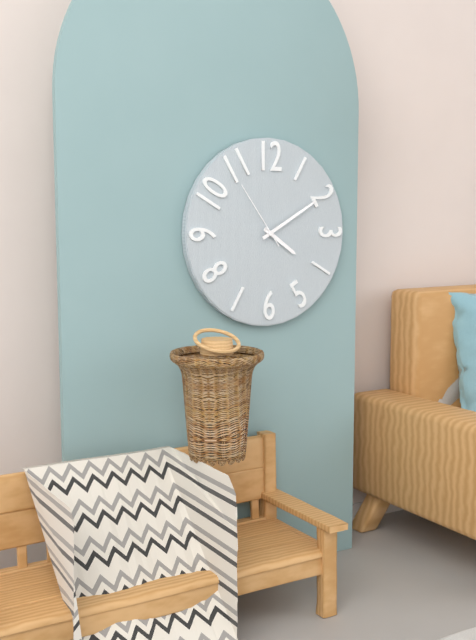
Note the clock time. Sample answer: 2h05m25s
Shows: 4h10m54s
